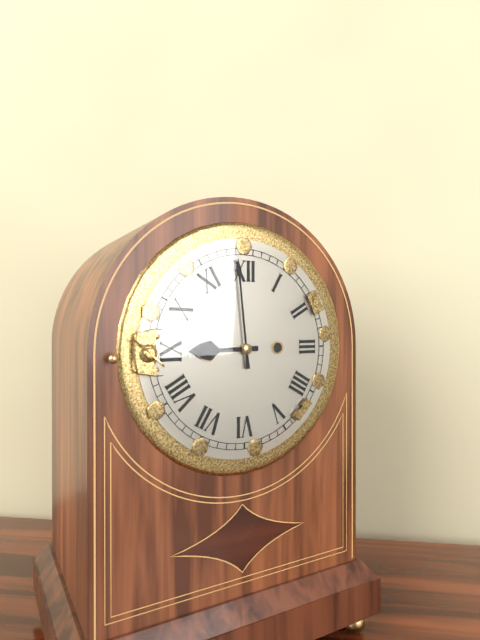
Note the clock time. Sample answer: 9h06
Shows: 8h59
